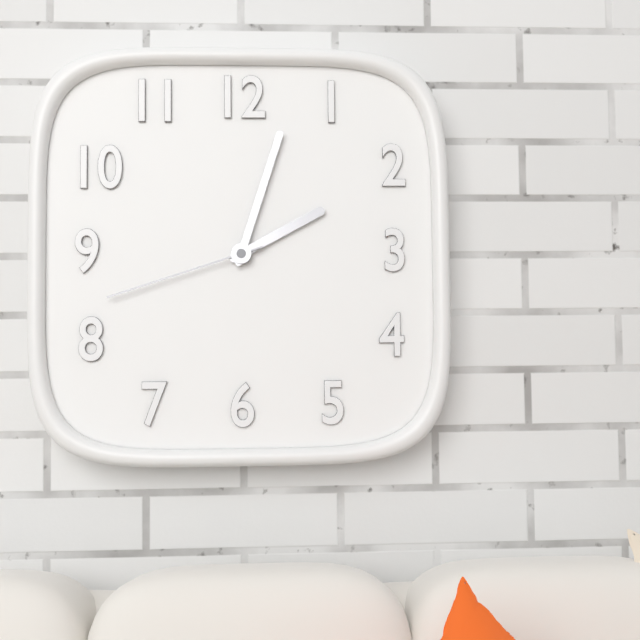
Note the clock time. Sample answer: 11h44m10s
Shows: 2h03m42s
